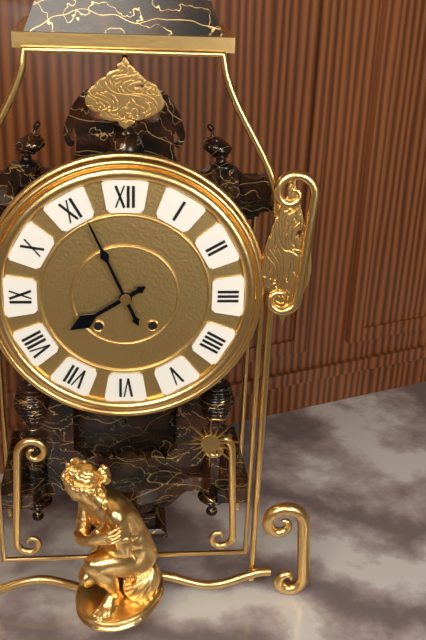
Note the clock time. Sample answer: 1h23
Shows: 7h56
